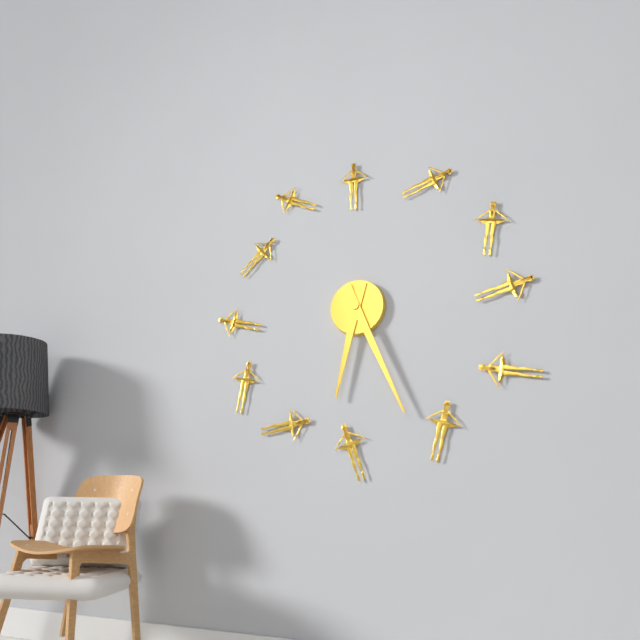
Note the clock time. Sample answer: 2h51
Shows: 6h26
